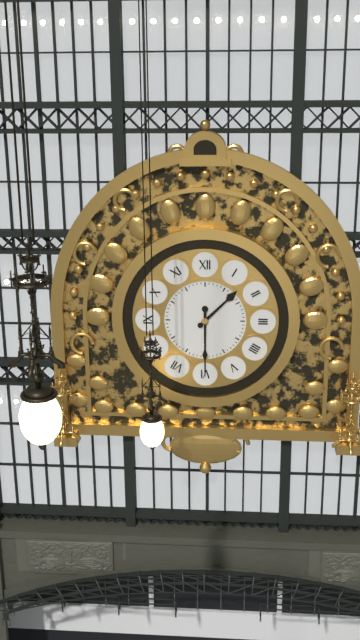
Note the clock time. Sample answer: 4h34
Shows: 1h30
